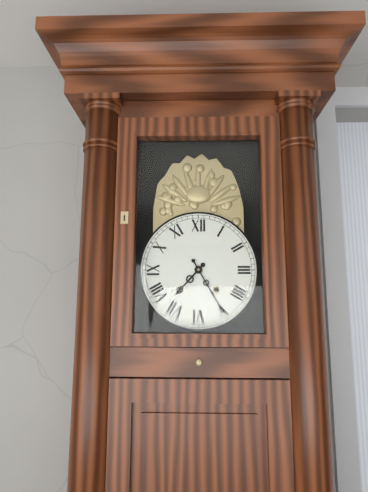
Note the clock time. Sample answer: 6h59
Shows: 7h25
